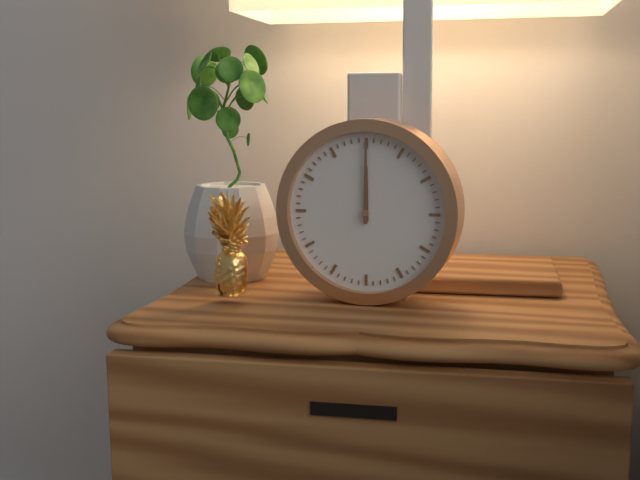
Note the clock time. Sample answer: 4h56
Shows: 12h00
